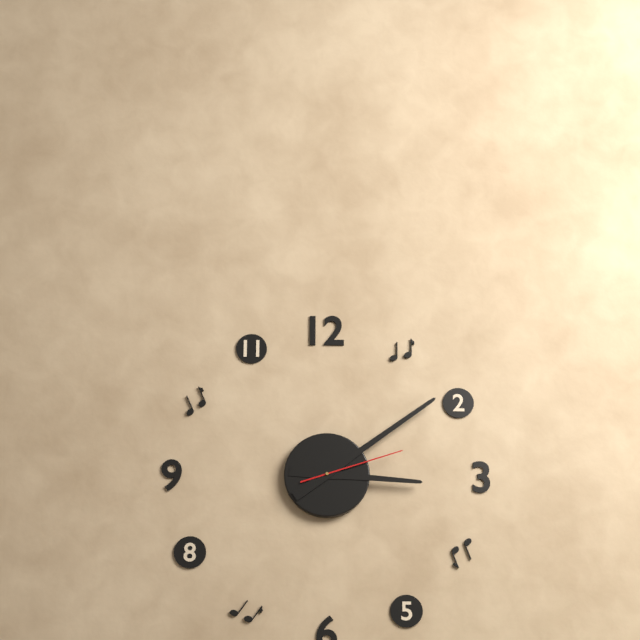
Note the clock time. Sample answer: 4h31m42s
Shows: 3h09m12s
